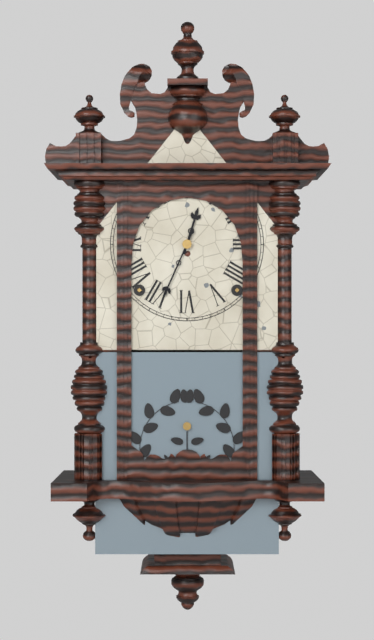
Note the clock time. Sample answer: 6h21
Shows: 12h34
